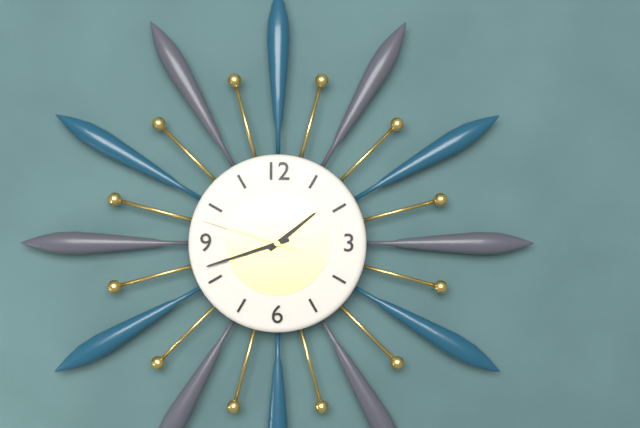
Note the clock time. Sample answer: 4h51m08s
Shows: 1h42m48s
